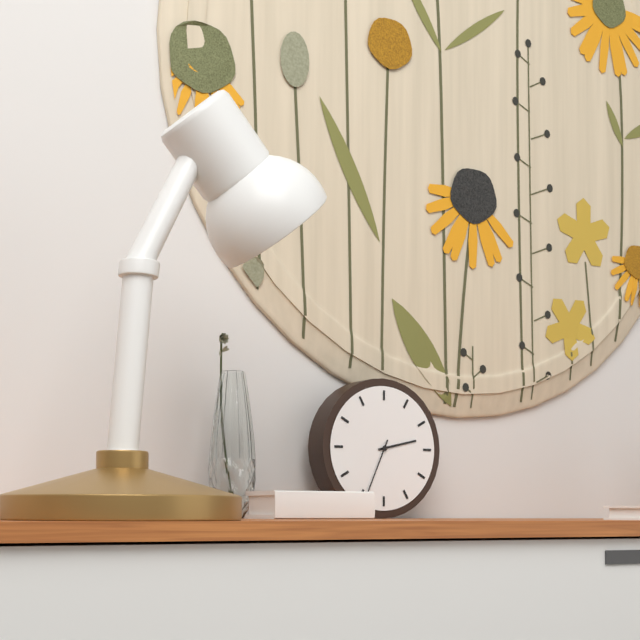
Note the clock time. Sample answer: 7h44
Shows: 2h34
